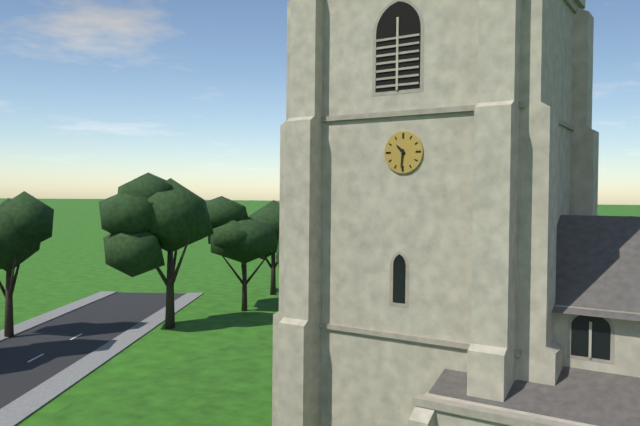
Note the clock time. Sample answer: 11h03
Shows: 10h31
